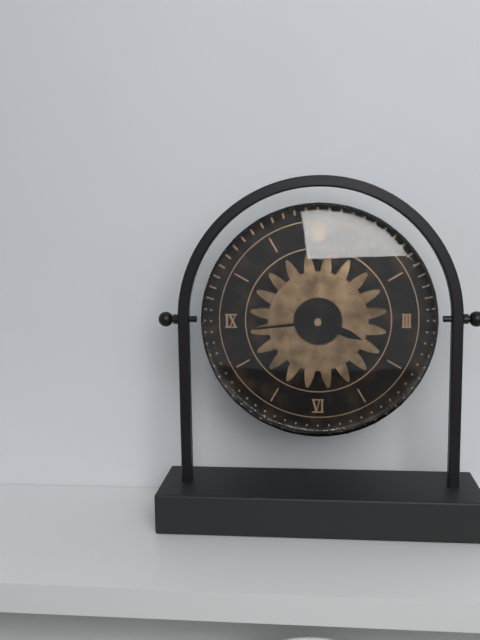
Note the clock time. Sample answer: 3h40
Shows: 3h44
